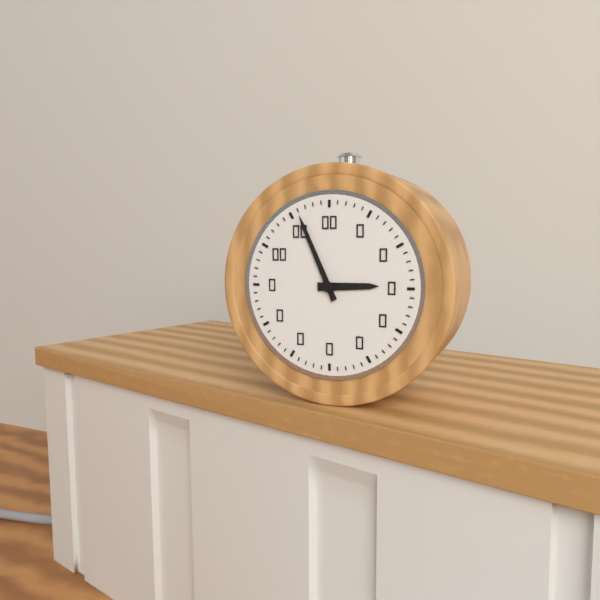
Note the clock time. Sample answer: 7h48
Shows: 2h56
